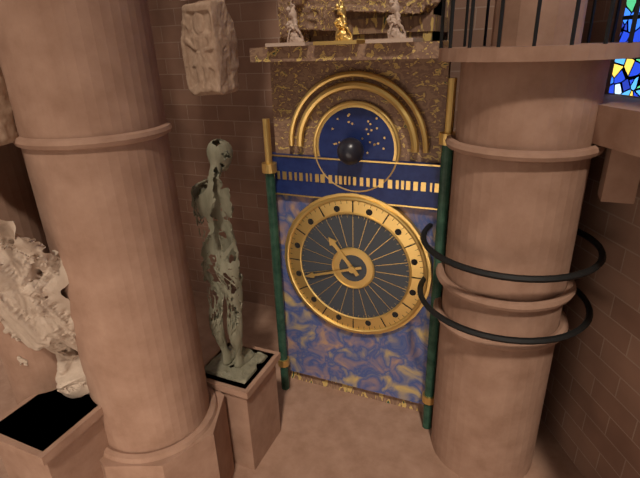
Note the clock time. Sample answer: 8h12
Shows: 10h42
